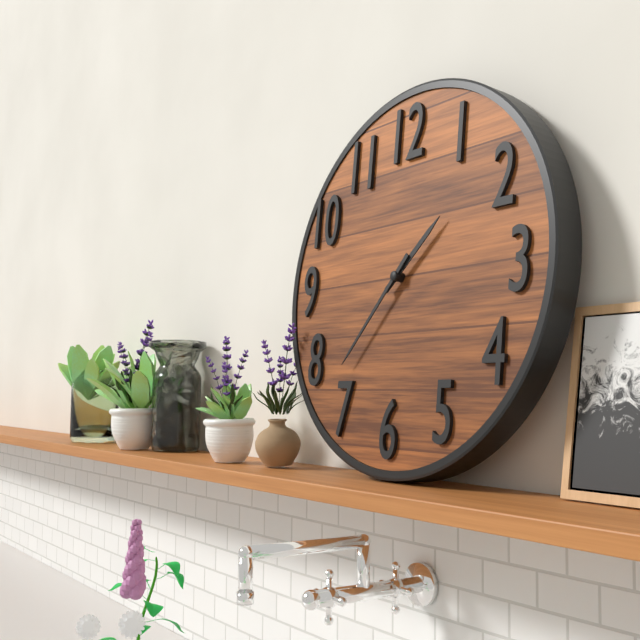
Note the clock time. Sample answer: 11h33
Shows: 1h37
